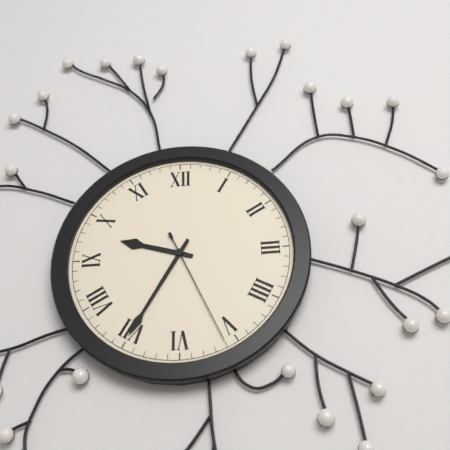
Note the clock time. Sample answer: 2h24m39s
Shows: 9h35m26s
